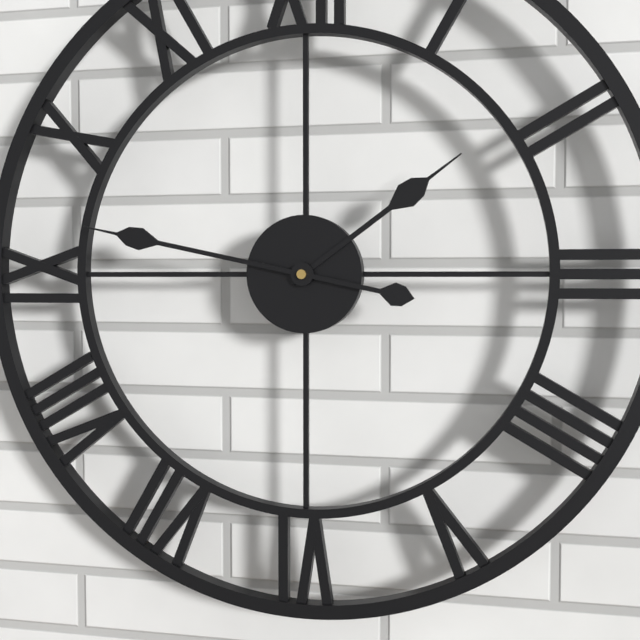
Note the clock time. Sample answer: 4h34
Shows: 1h47
